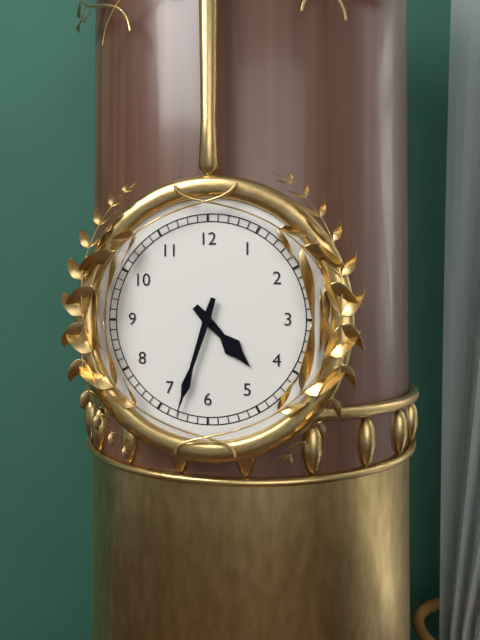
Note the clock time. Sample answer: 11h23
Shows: 4h33
